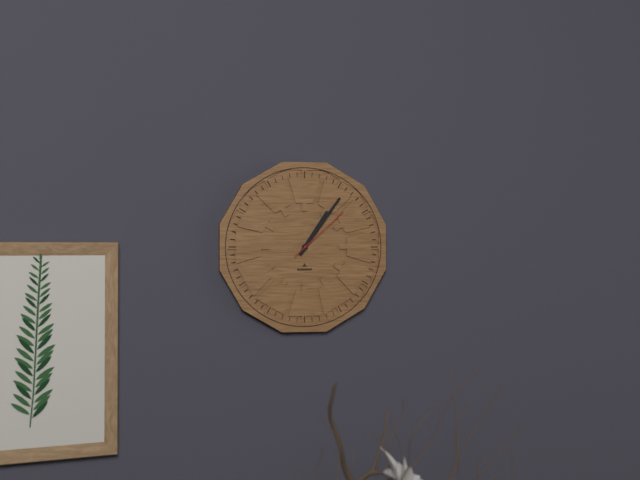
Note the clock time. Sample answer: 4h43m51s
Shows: 1h06m08s
